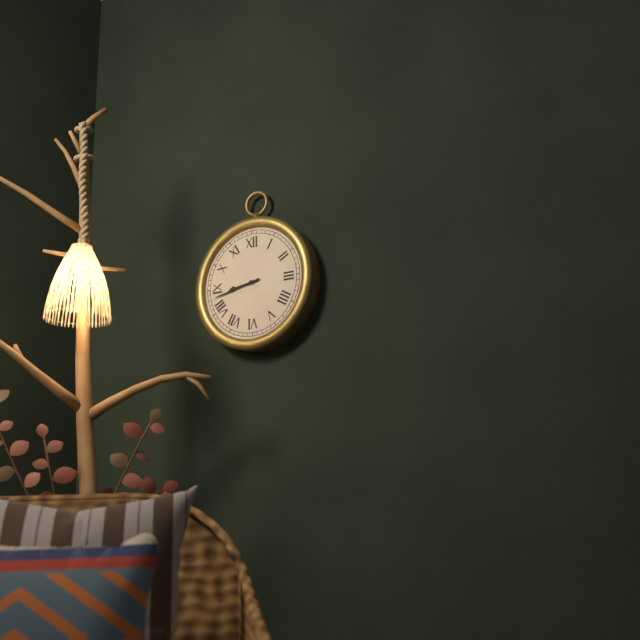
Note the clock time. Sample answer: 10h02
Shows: 8h43
